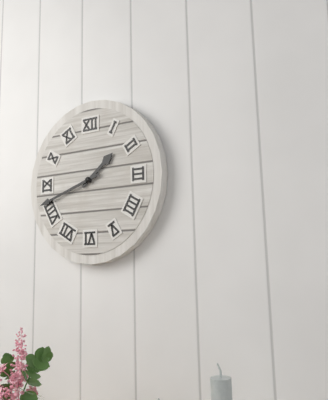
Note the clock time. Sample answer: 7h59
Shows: 1h42
